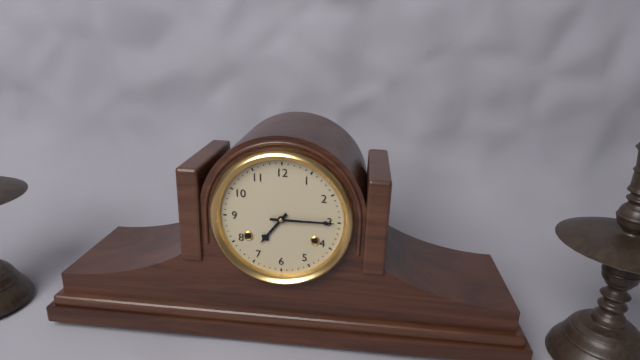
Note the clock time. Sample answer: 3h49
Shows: 7h15
